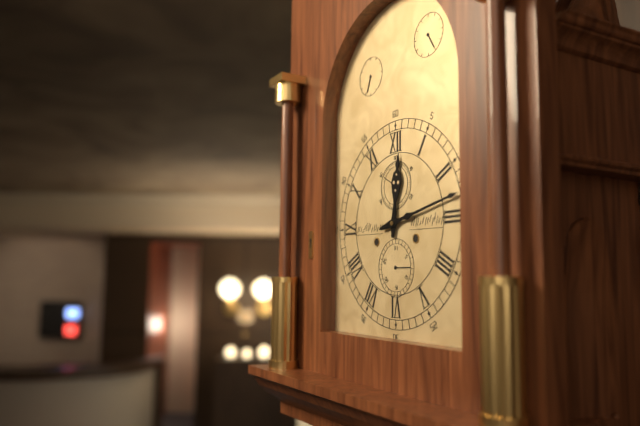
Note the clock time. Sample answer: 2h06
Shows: 12h13
